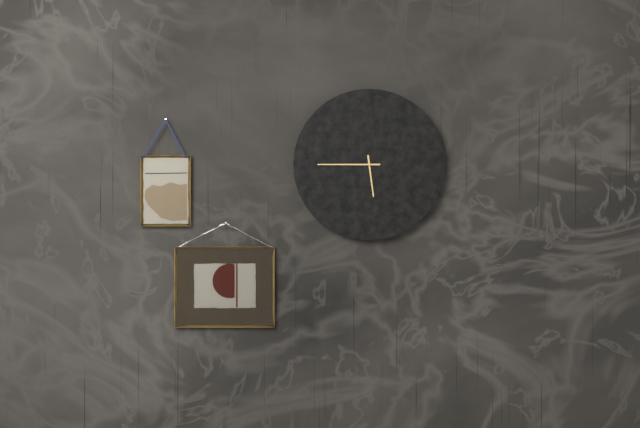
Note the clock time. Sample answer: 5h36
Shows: 5h45
